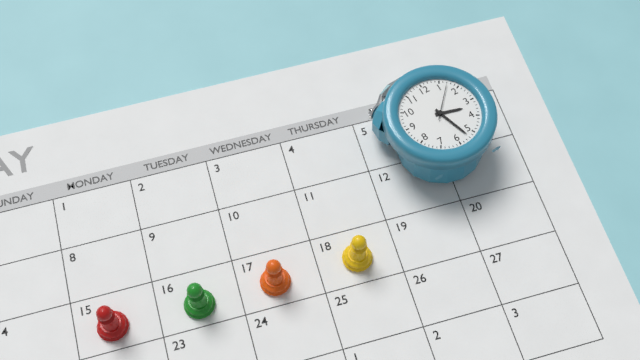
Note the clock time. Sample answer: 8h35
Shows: 3h27
